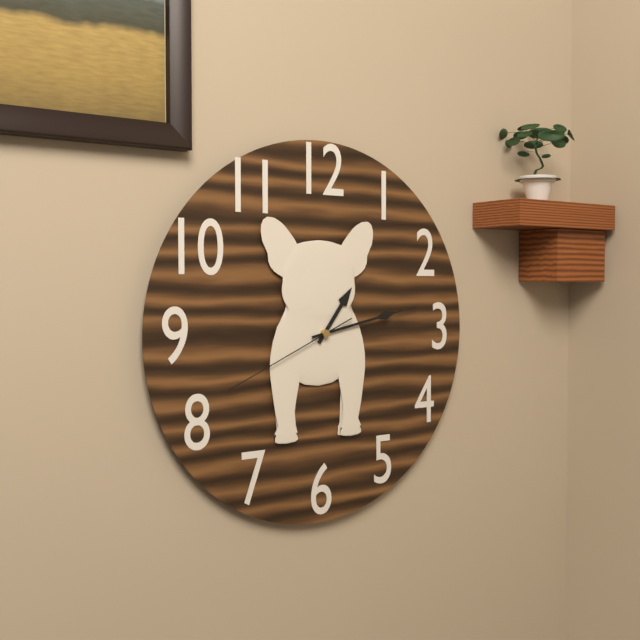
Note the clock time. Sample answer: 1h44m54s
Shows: 1h13m41s
